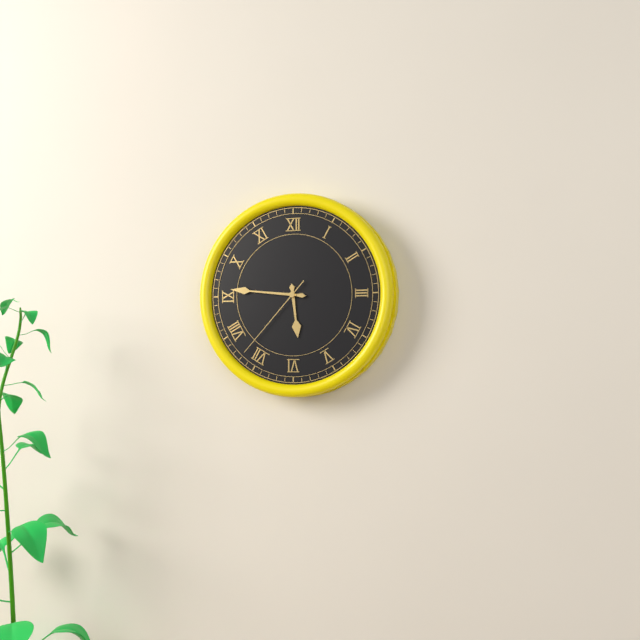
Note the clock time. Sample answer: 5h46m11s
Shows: 5h46m37s
